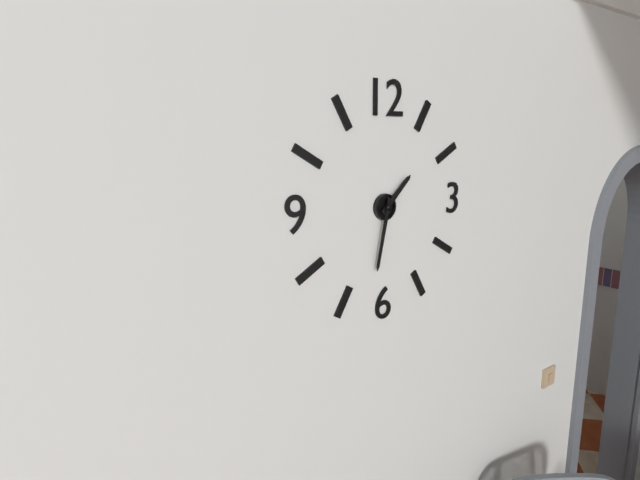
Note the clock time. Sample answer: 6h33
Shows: 1h32
